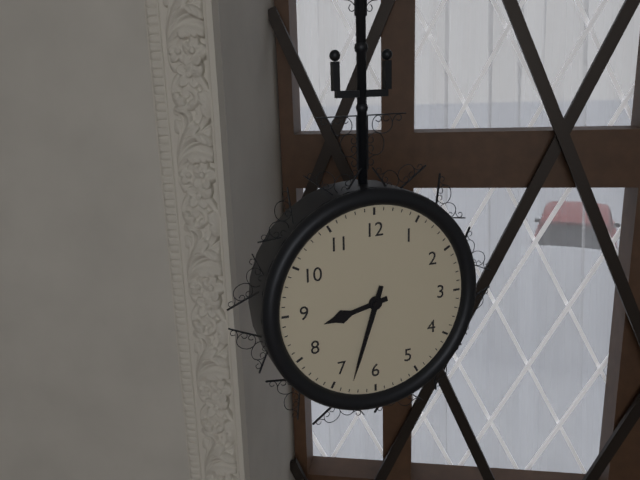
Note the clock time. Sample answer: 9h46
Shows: 8h33
